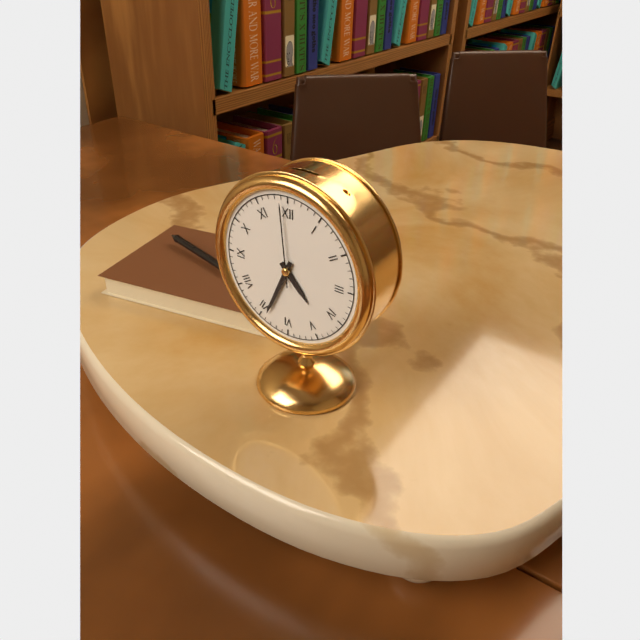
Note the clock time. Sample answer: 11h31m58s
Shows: 4h34m59s
